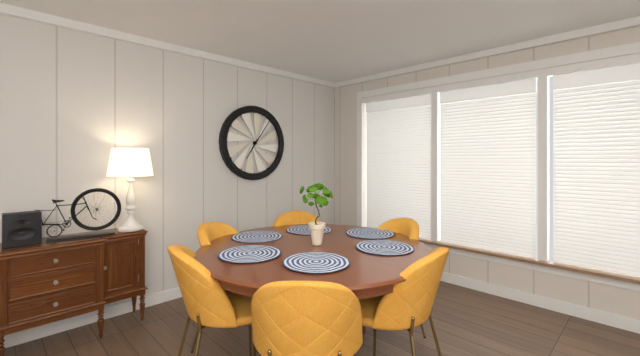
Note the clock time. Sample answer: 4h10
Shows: 7h06
